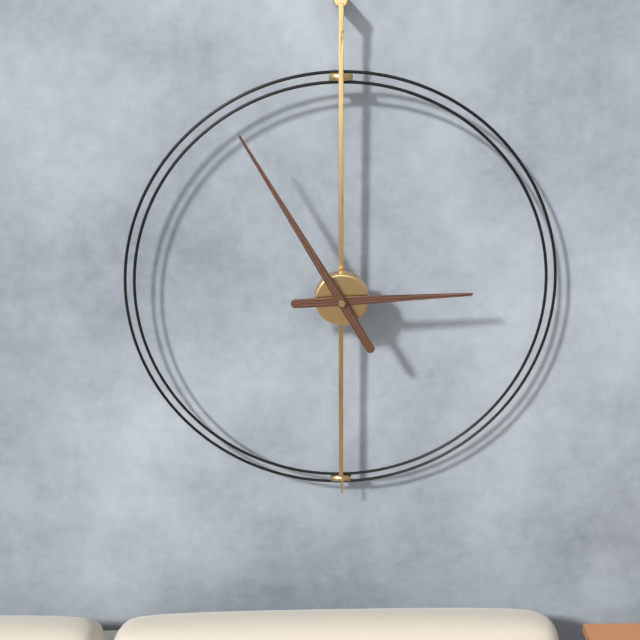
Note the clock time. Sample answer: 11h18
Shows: 2h55
